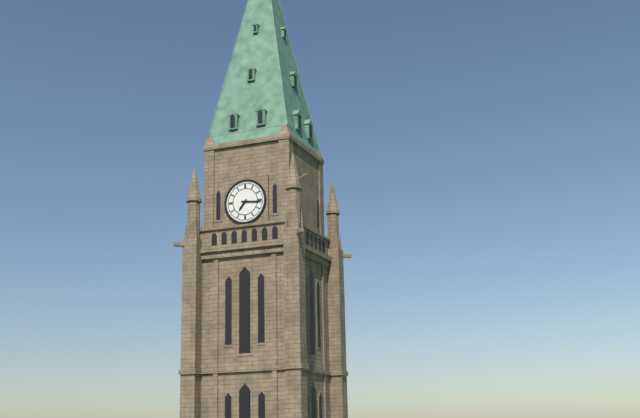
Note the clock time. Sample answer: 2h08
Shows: 7h16
